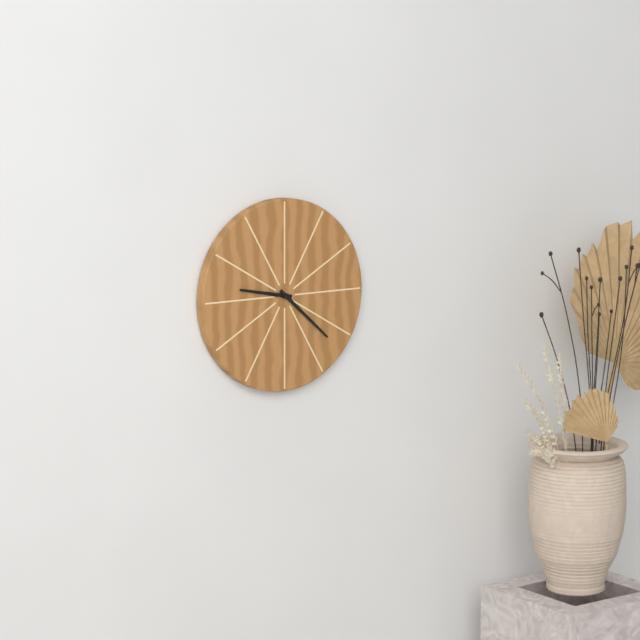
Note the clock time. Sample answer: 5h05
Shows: 9h22
